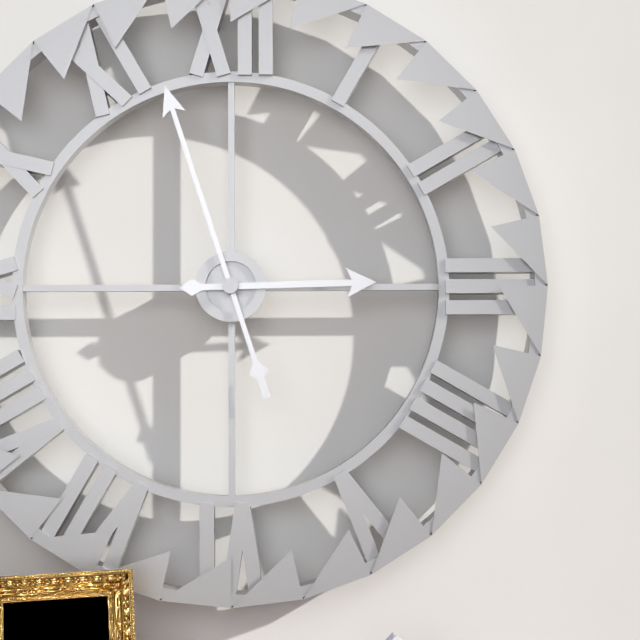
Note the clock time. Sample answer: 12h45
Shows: 2h57
